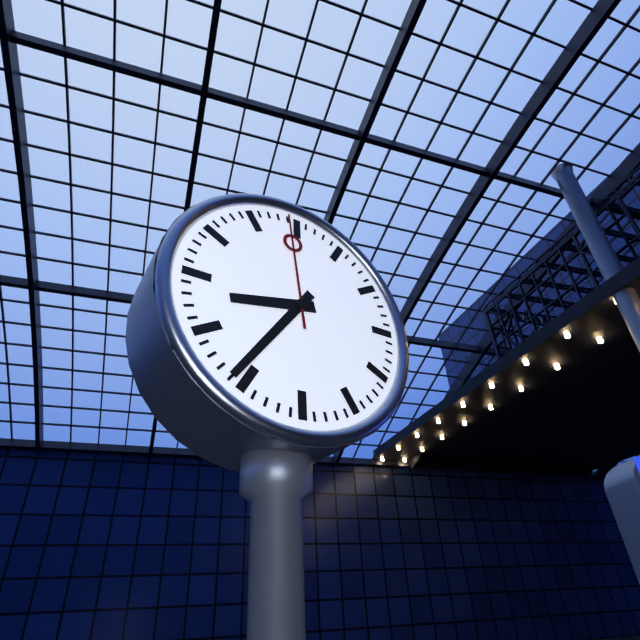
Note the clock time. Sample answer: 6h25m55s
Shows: 8h36m59s
